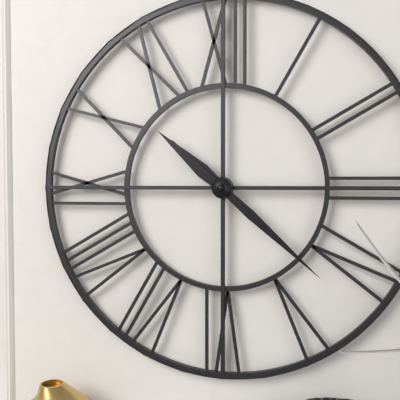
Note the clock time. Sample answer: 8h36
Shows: 10h22
